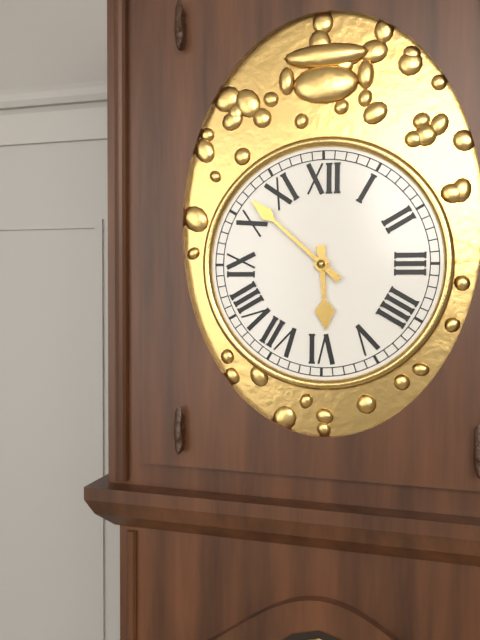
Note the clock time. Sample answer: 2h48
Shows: 5h52
